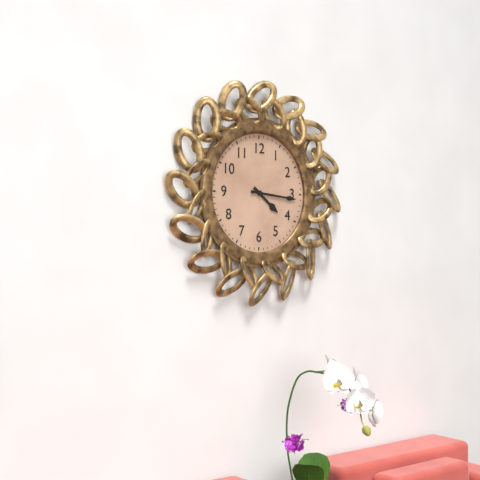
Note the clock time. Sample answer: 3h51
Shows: 4h16
